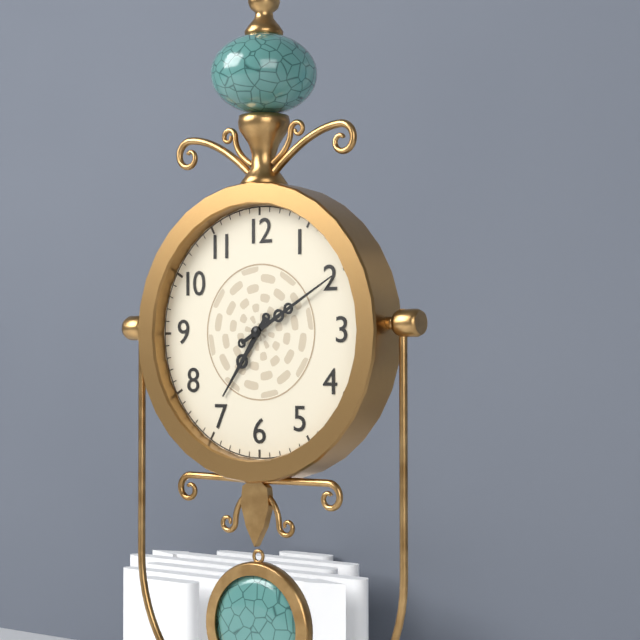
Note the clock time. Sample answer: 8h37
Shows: 7h10
